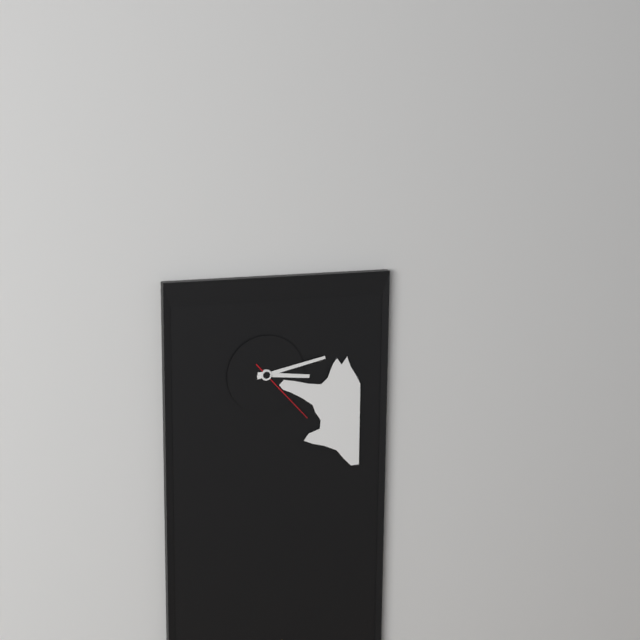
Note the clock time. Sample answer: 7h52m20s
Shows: 3h13m23s
